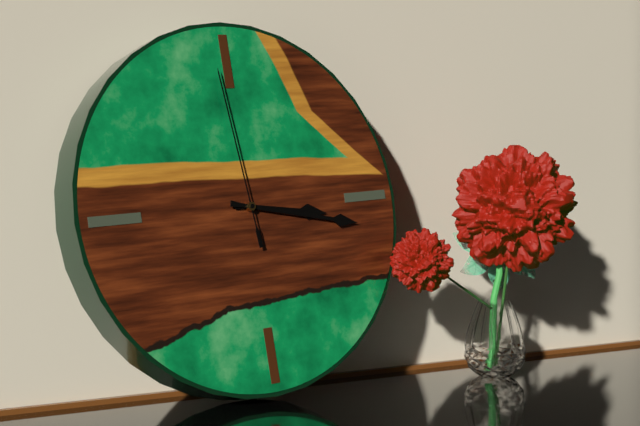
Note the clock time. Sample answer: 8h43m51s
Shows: 3h17m59s
